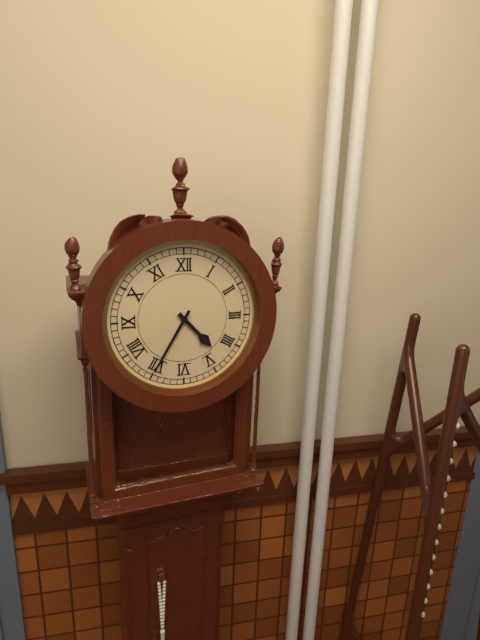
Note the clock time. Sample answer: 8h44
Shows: 4h35
